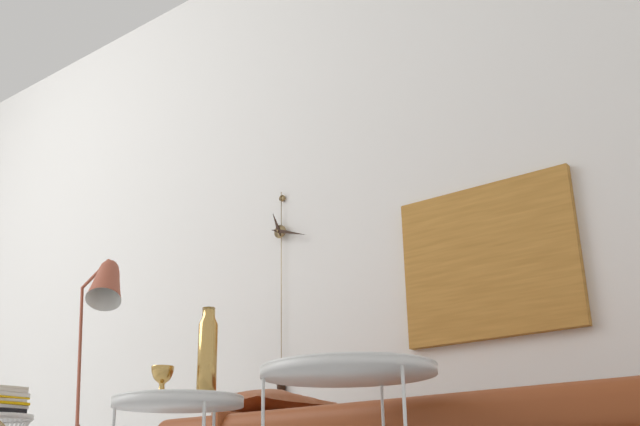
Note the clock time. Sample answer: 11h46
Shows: 11h18
